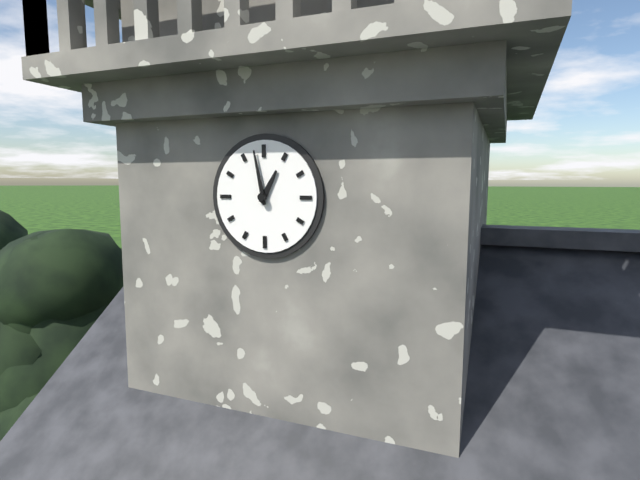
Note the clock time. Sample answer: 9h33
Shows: 12h58
